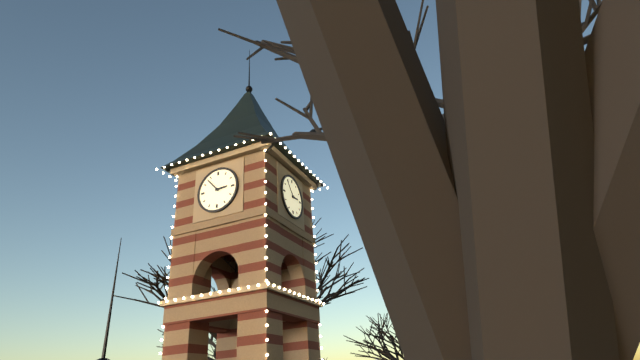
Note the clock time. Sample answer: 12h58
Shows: 2h53
